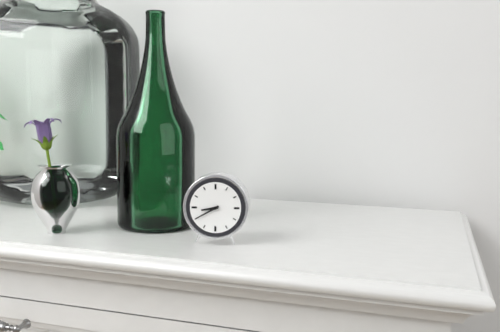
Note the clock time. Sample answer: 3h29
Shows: 8h40
